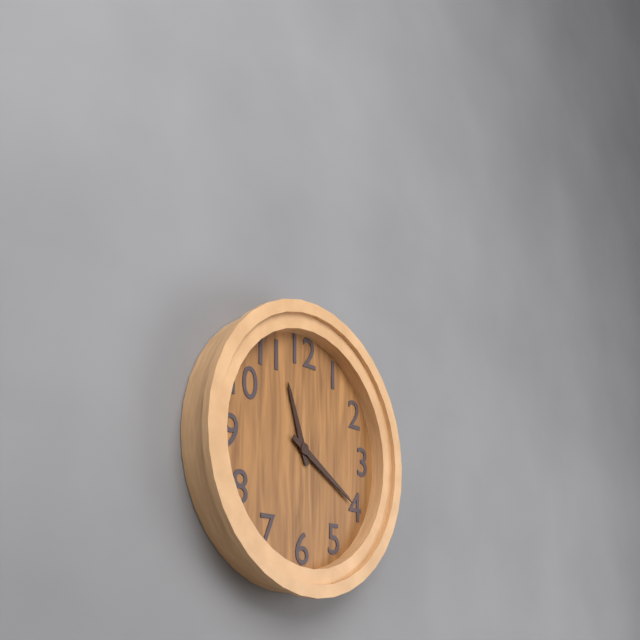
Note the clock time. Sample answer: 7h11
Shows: 11h20
